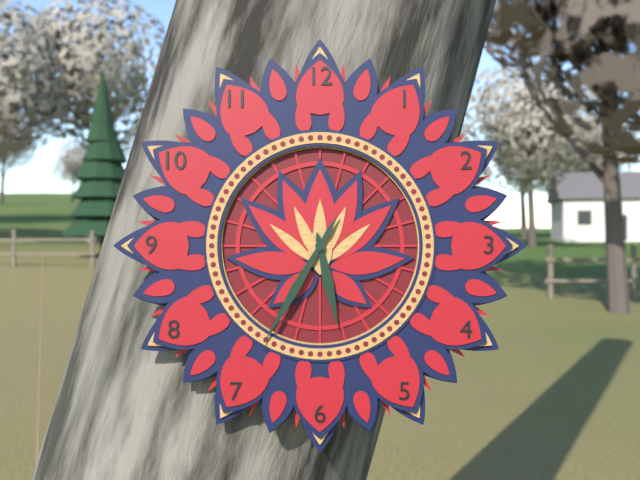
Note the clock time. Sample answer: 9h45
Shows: 5h35
